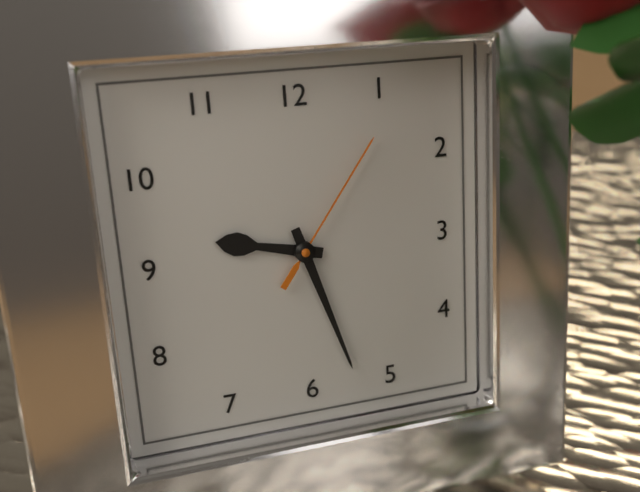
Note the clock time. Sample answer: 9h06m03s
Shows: 9h27m06s
